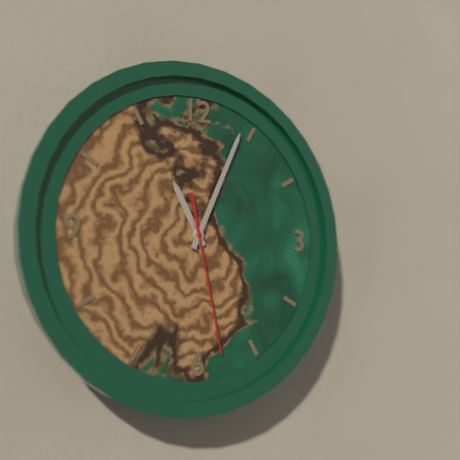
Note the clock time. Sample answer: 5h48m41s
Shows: 11h04m28s
